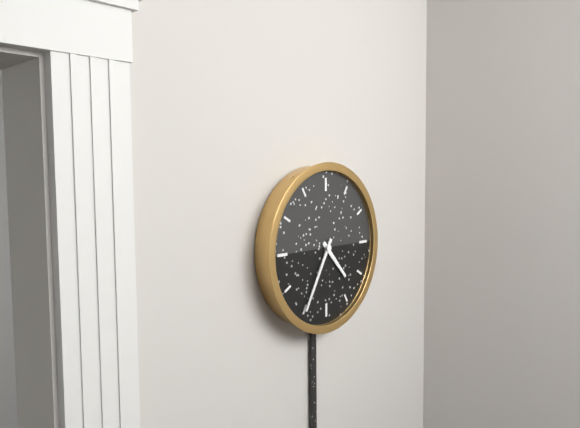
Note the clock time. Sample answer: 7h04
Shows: 4h35
